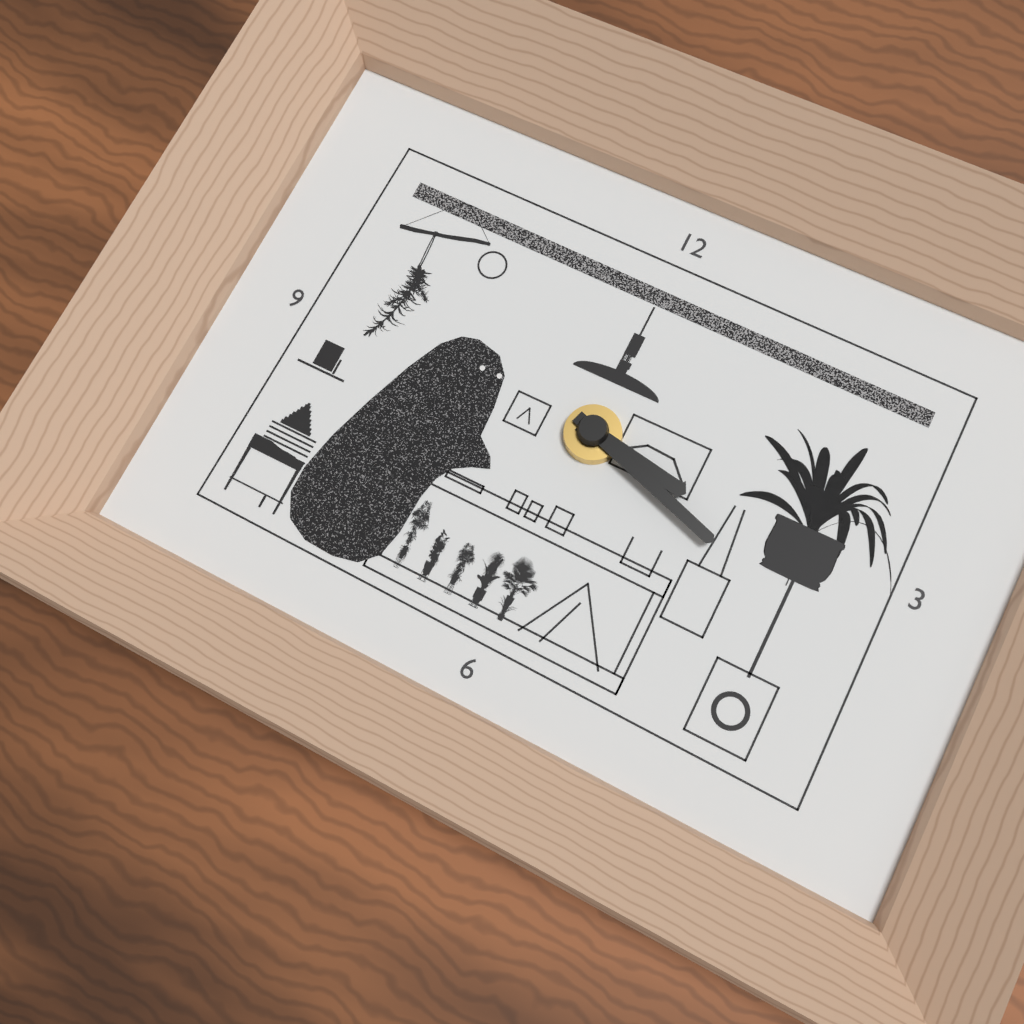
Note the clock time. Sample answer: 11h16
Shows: 3h18
